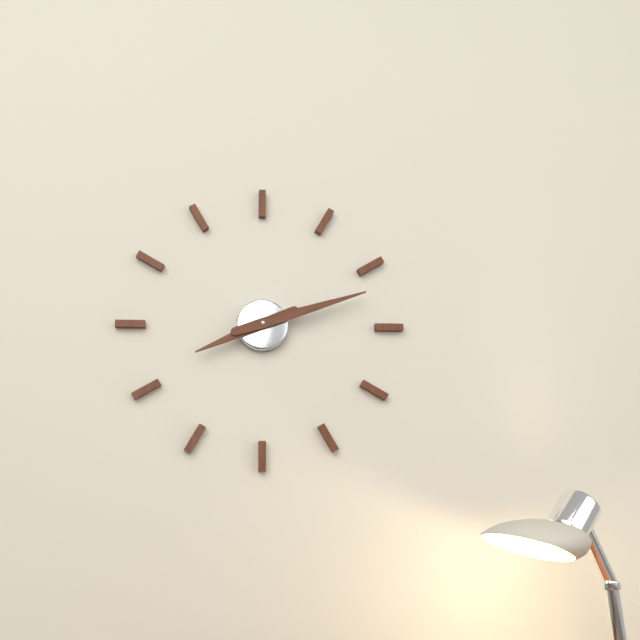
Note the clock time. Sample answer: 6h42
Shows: 8h12
